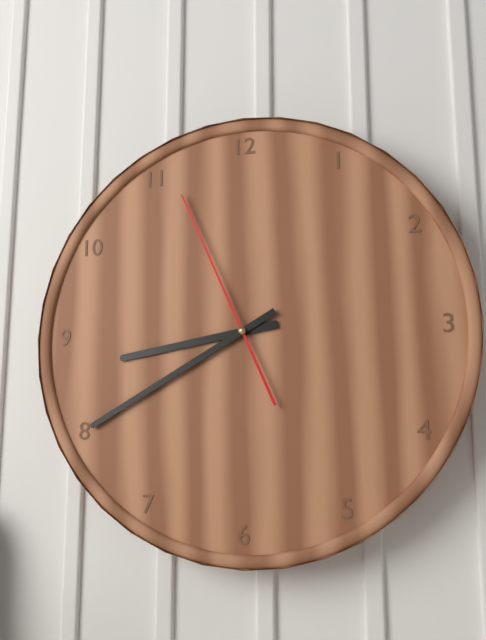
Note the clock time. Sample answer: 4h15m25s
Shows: 8h40m56s
